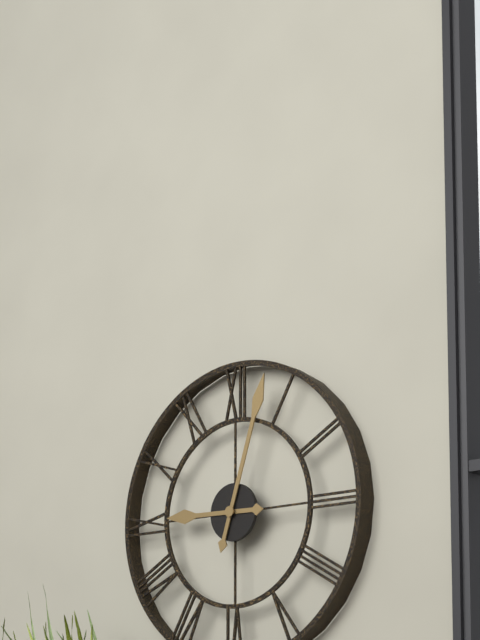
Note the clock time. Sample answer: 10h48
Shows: 9h03
